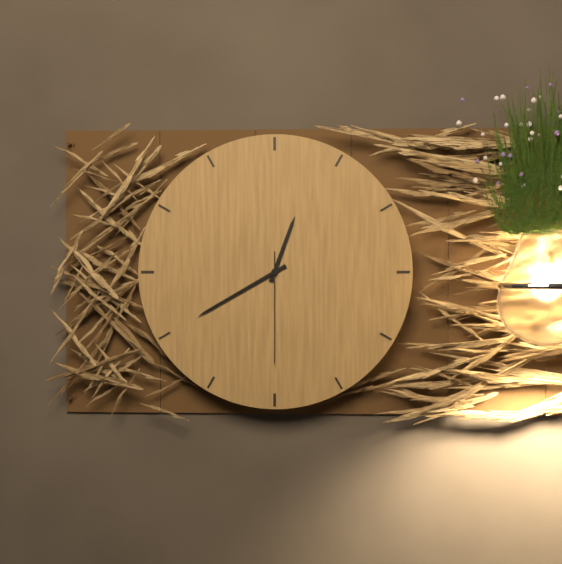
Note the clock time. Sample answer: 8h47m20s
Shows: 12h40m30s
